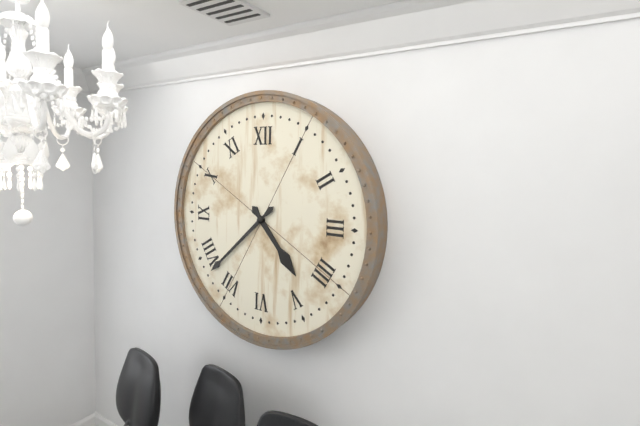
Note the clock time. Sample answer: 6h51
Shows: 4h38
